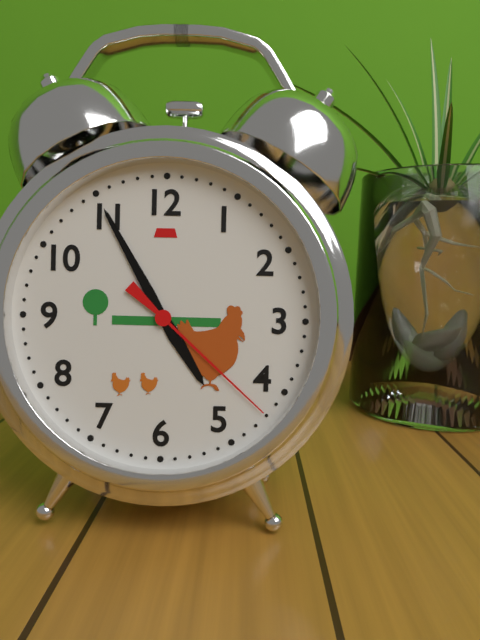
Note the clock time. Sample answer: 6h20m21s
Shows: 4h55m22s
